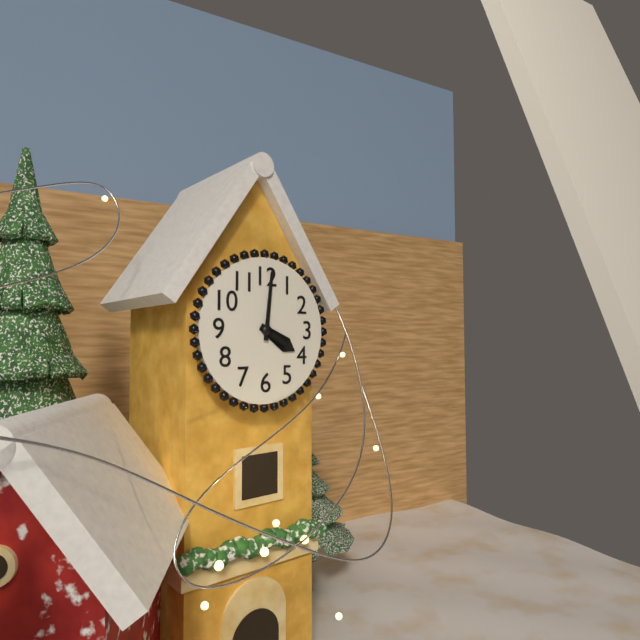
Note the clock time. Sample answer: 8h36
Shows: 4h01
